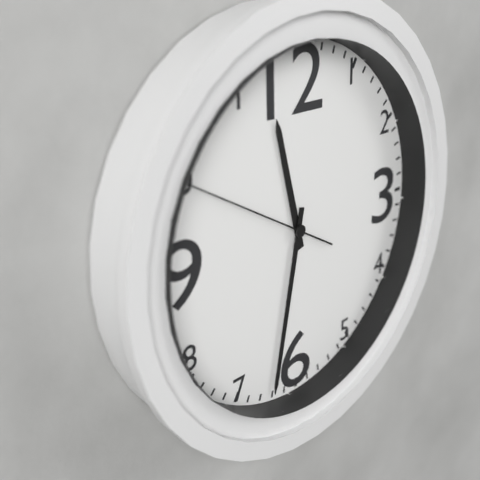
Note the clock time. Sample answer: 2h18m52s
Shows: 11h32m50s
